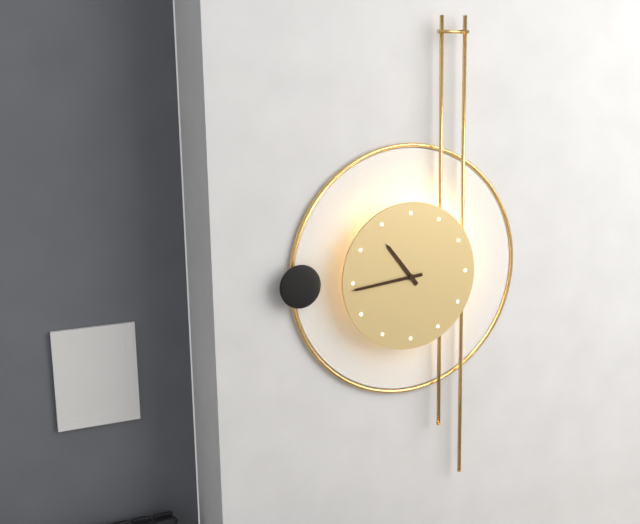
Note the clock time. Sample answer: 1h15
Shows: 10h44
